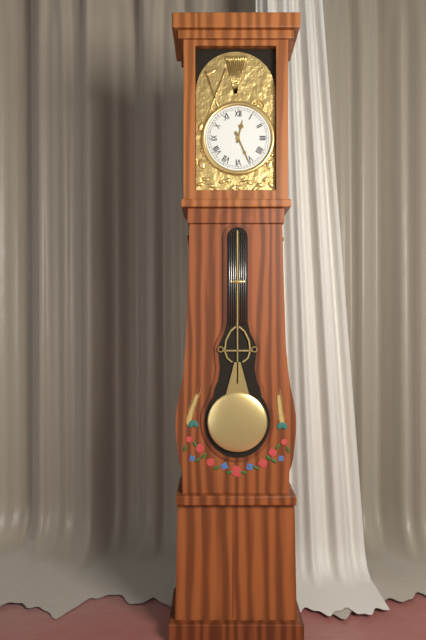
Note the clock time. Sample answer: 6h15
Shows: 12h26
